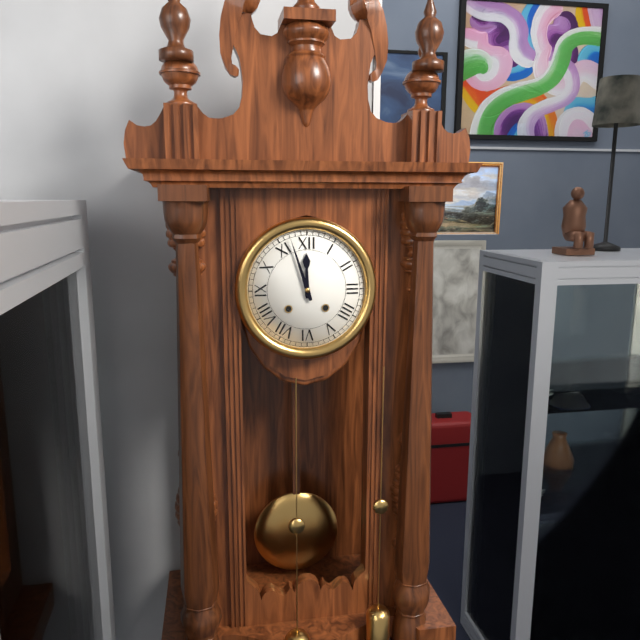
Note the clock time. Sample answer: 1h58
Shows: 11h57
